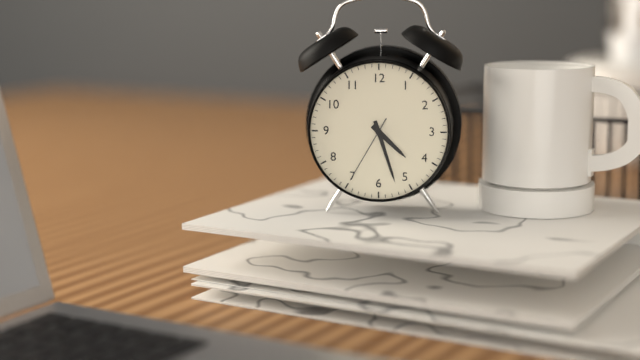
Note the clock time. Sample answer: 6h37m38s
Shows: 4h27m35s
